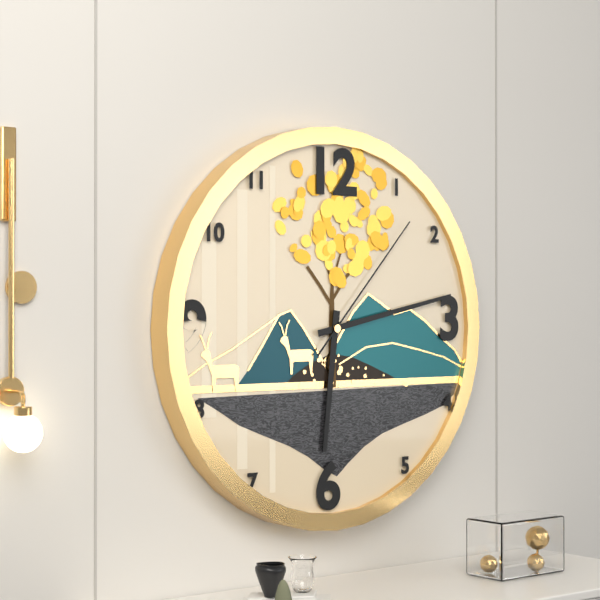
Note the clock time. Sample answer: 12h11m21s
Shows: 6h13m07s
